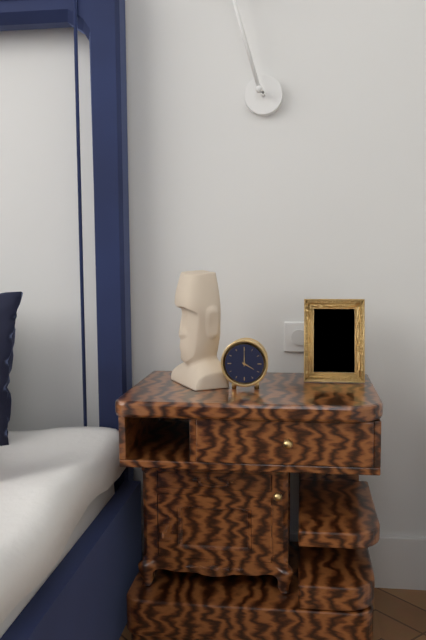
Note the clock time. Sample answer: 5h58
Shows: 4h00
